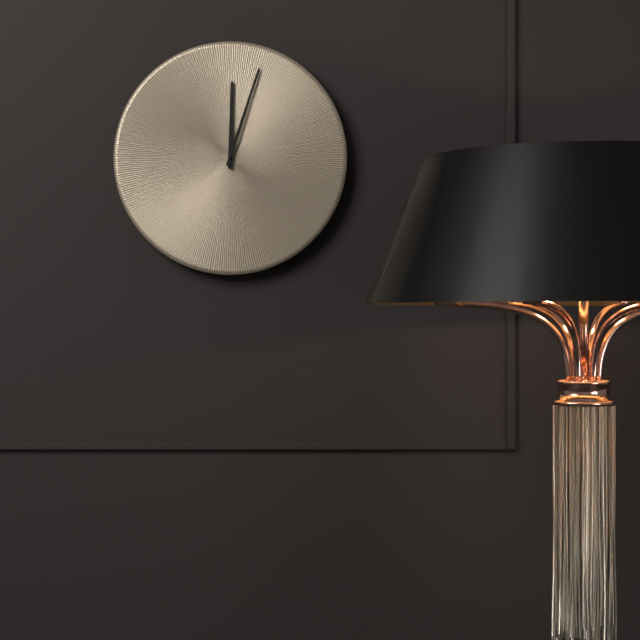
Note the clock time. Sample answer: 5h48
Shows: 12h03
